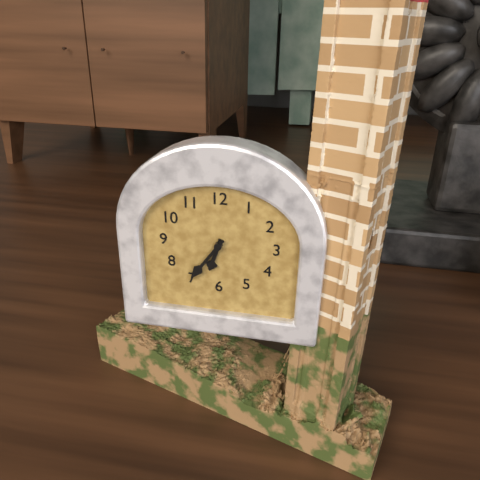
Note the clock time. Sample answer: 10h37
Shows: 6h36
